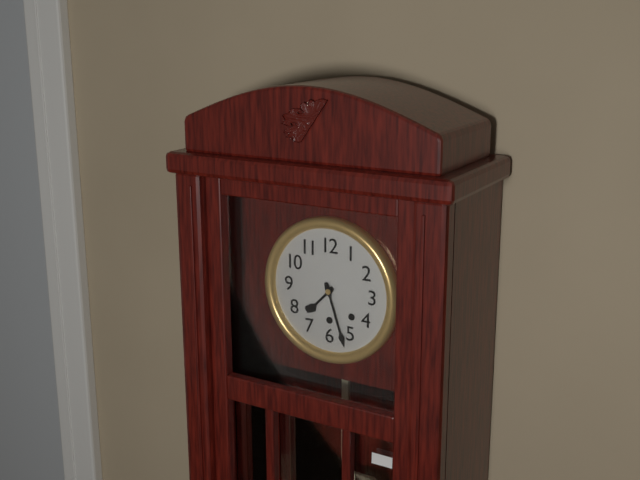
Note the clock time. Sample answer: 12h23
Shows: 7h27
